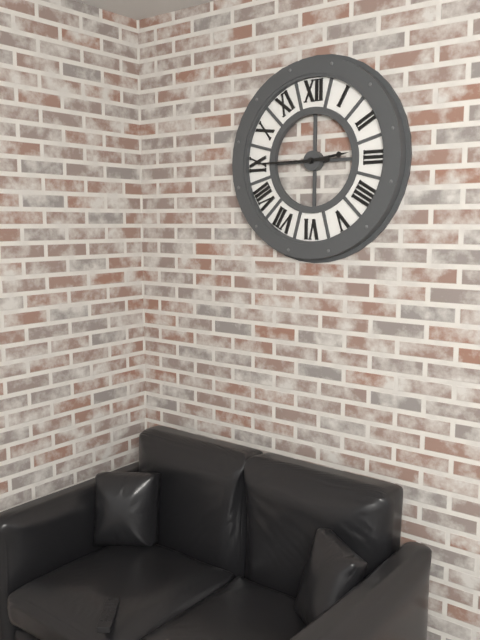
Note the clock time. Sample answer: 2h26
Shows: 2h45
